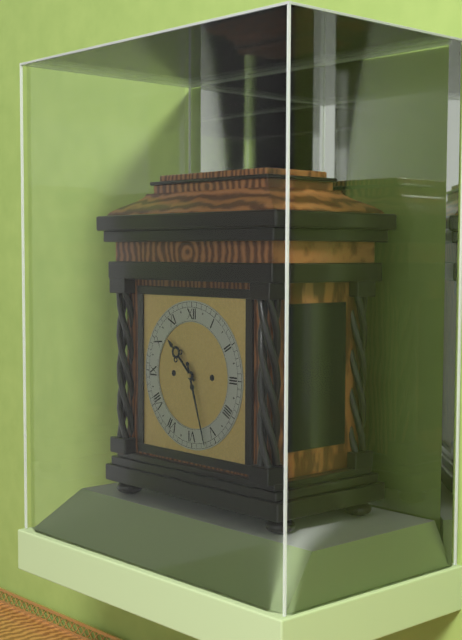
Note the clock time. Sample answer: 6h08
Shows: 10h27
